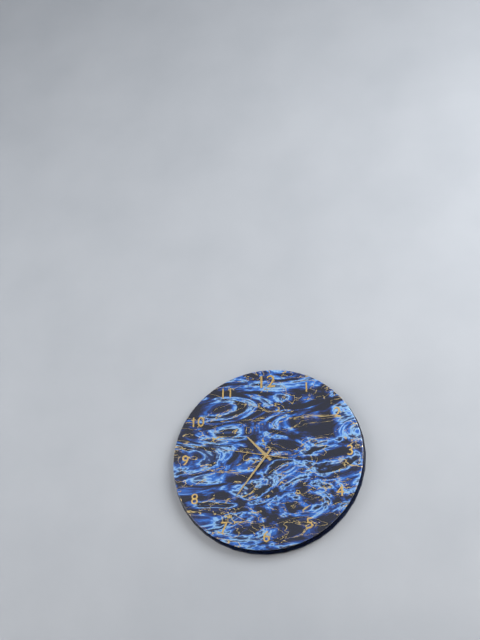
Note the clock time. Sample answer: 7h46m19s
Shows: 10h36m47s
